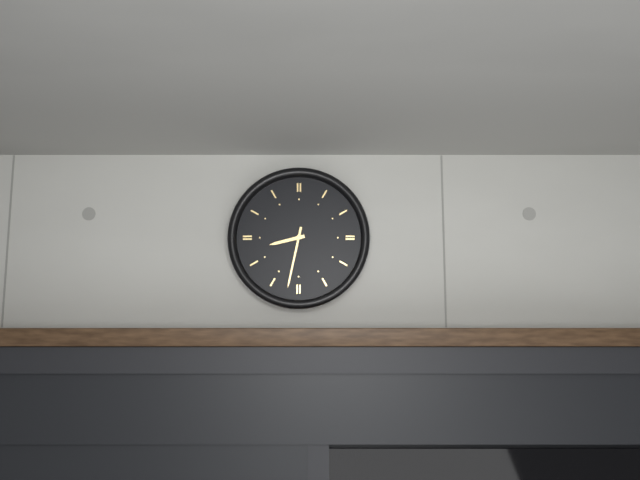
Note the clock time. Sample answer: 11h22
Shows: 8h32
